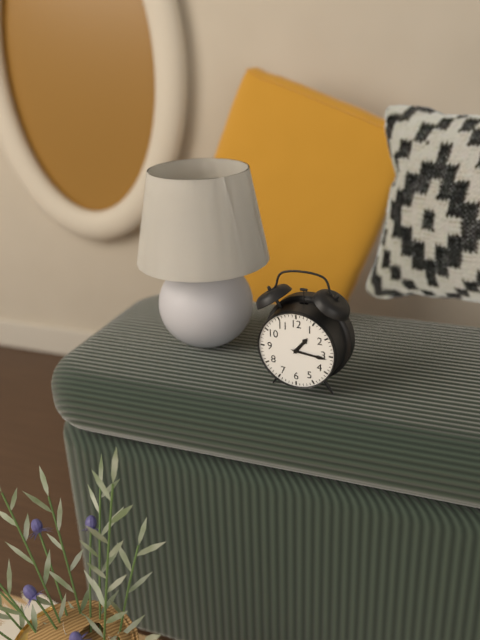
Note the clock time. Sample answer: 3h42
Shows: 1h16
